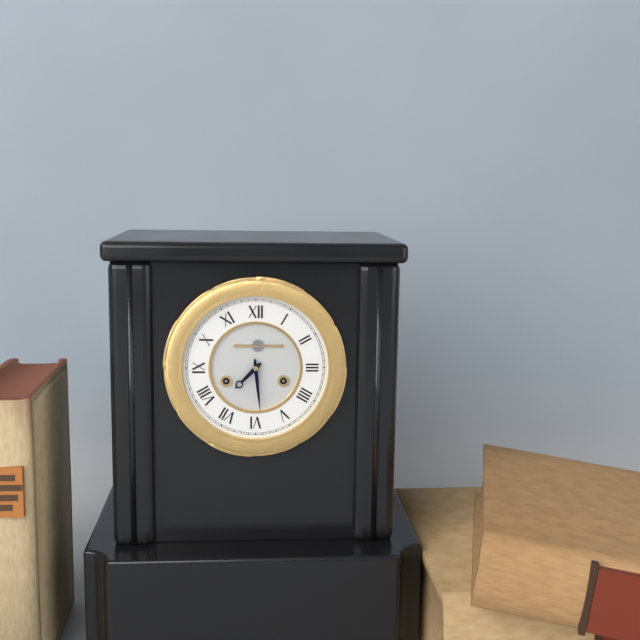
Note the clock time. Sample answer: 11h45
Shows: 7h29
